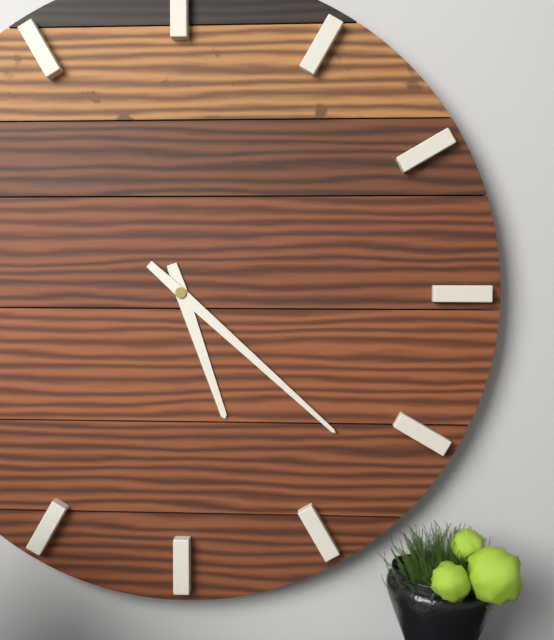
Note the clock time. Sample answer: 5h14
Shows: 5h22
